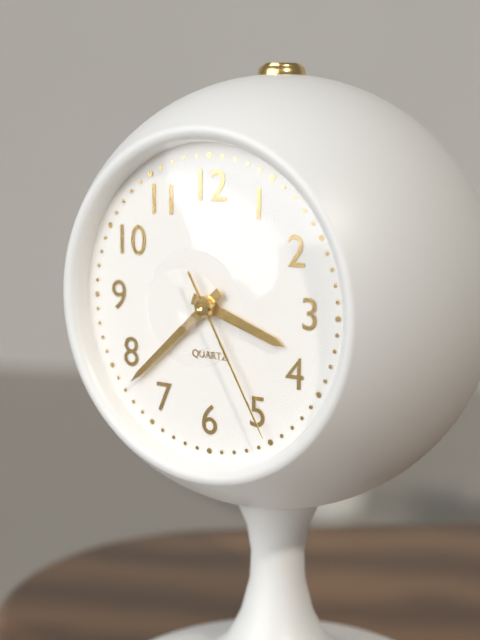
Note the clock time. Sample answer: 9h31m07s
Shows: 3h38m25s
